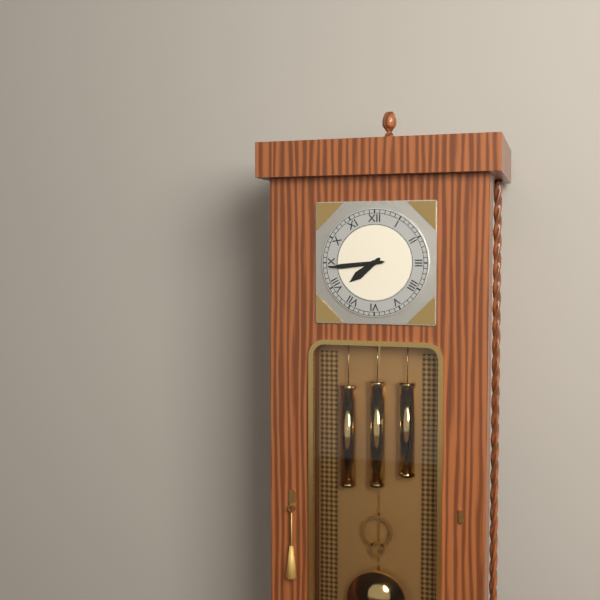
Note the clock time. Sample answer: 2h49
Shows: 7h44
